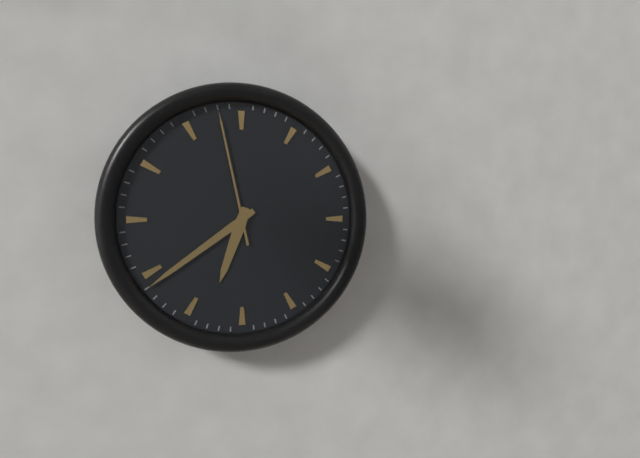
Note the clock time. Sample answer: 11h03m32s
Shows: 6h39m58s
